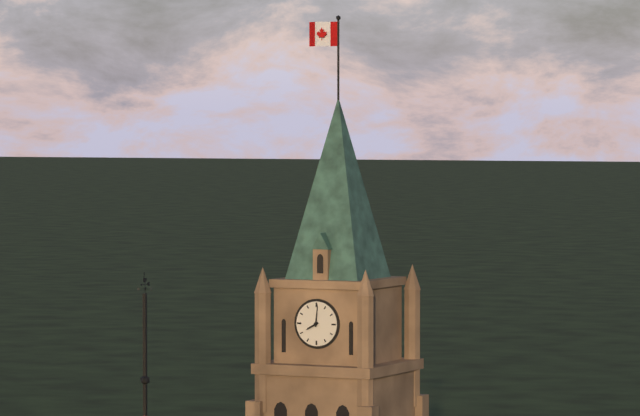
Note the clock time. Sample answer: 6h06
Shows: 8h01
